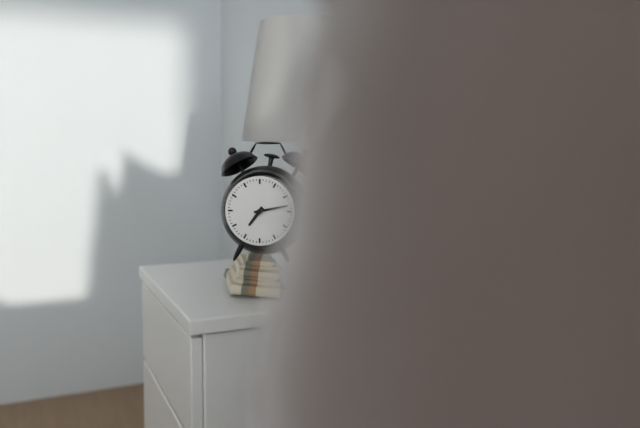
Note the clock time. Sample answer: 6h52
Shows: 7h13
